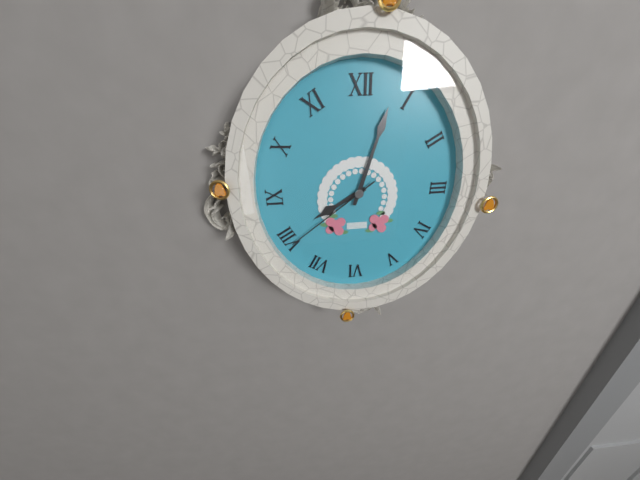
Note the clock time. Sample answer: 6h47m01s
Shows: 8h03m39s
